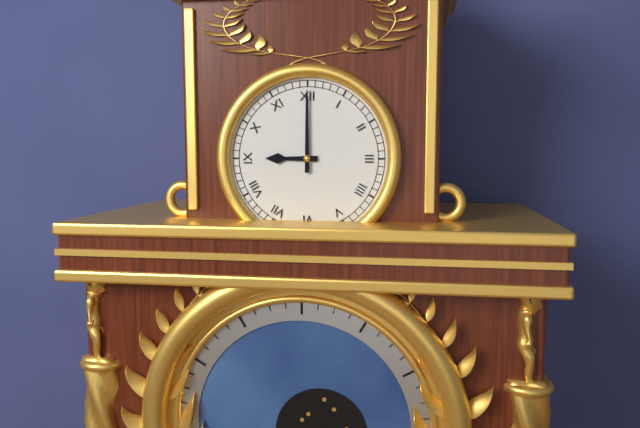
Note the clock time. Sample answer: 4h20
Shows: 9h00
